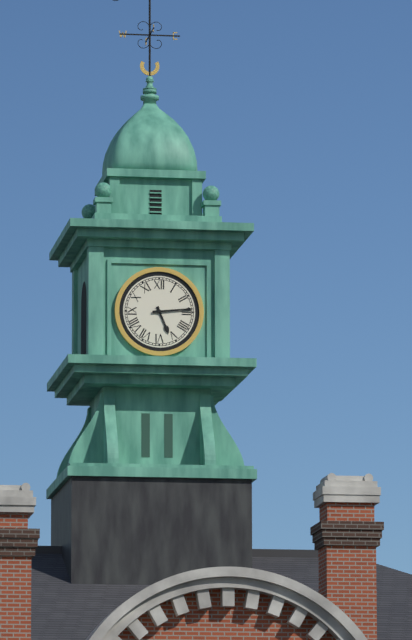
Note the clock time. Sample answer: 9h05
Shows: 5h14
